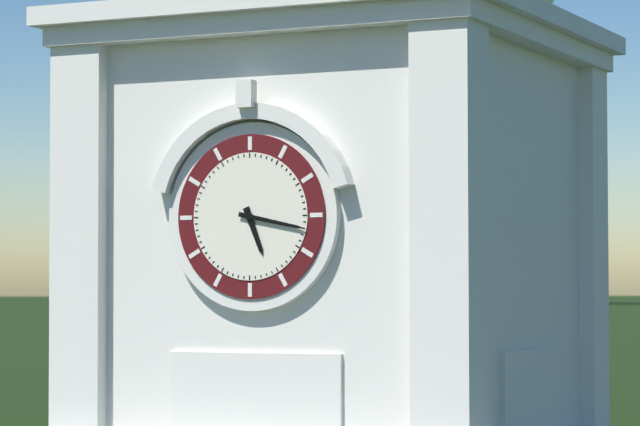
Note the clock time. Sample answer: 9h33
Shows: 5h17
